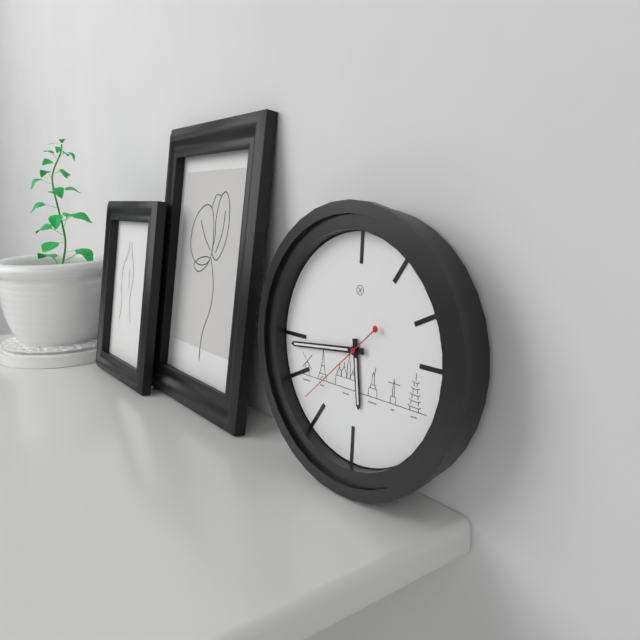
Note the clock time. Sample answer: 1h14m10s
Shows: 5h44m38s
